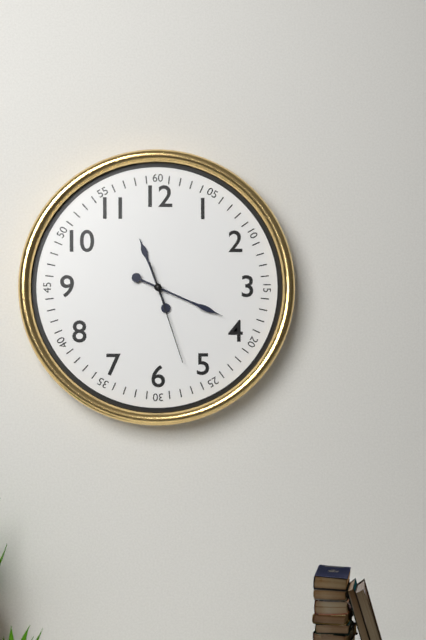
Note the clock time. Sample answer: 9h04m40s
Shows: 11h19m27s
